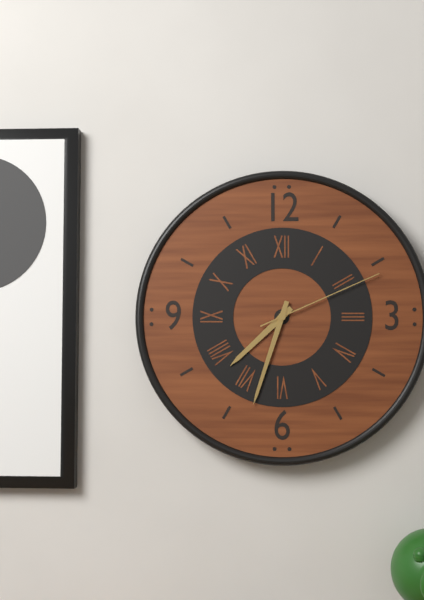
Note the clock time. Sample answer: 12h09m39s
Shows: 7h33m11s
